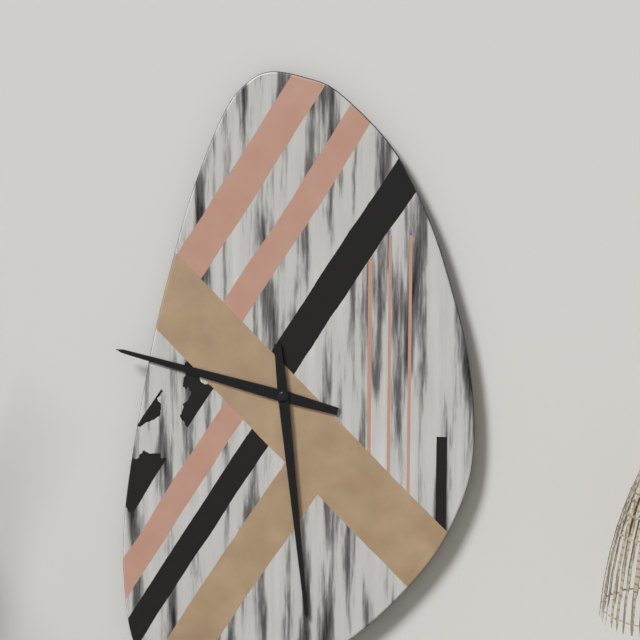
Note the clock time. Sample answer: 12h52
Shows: 9h29
